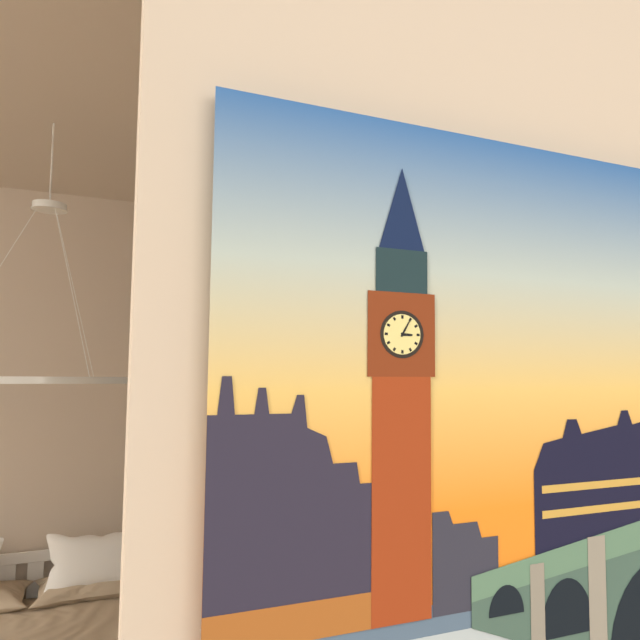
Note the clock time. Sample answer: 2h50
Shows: 3h05
